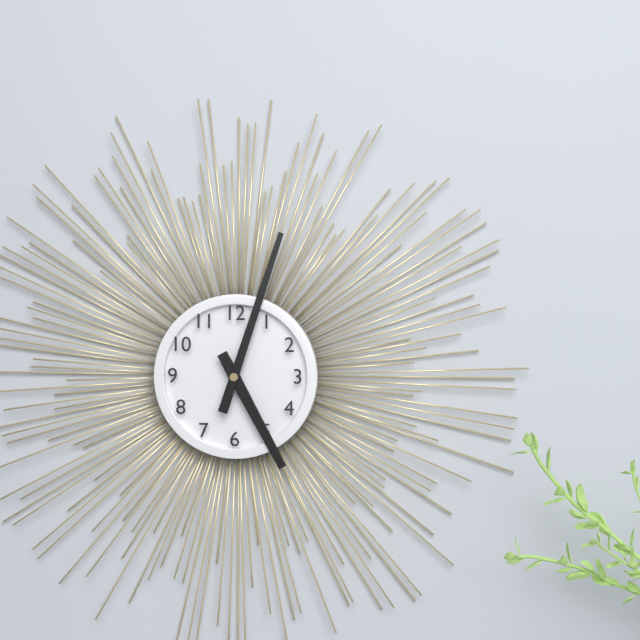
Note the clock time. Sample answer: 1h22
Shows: 5h03
